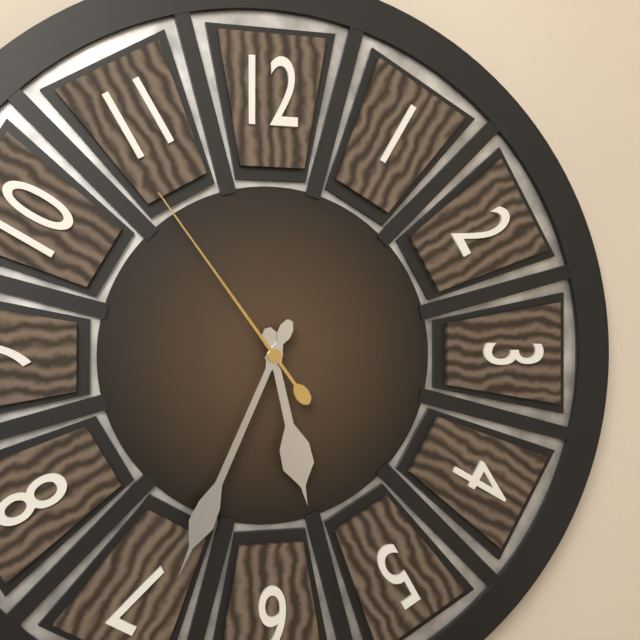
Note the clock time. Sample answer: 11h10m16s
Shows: 5h34m54s
